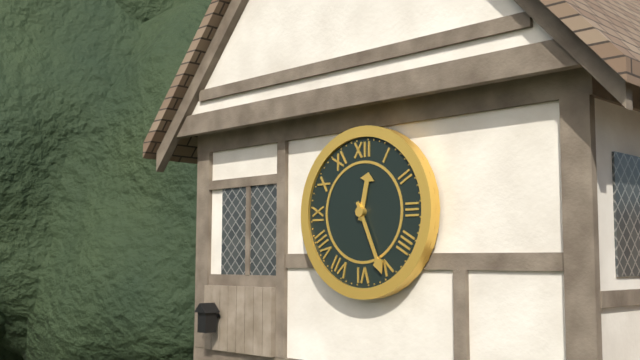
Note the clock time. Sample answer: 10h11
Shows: 12h26
